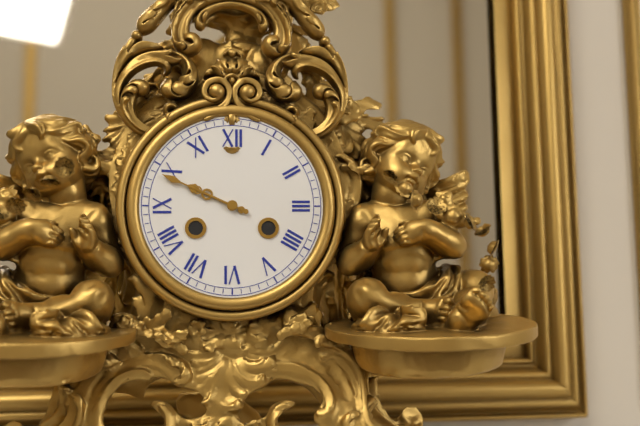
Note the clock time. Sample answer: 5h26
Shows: 9h49
